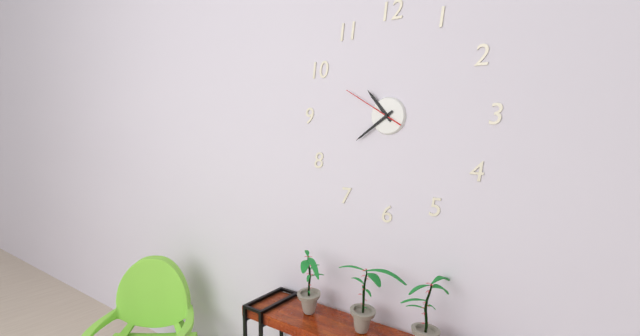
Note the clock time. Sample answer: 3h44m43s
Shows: 10h39m50s
